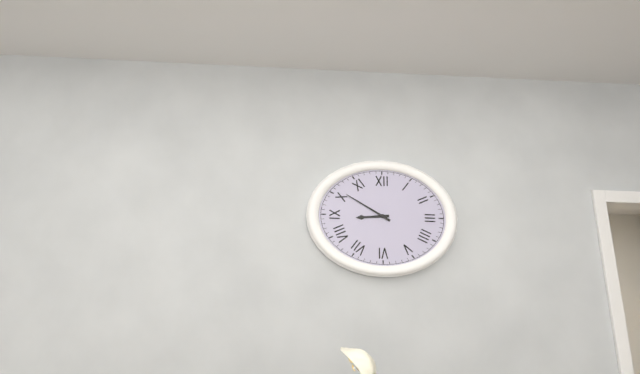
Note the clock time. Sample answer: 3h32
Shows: 8h50
